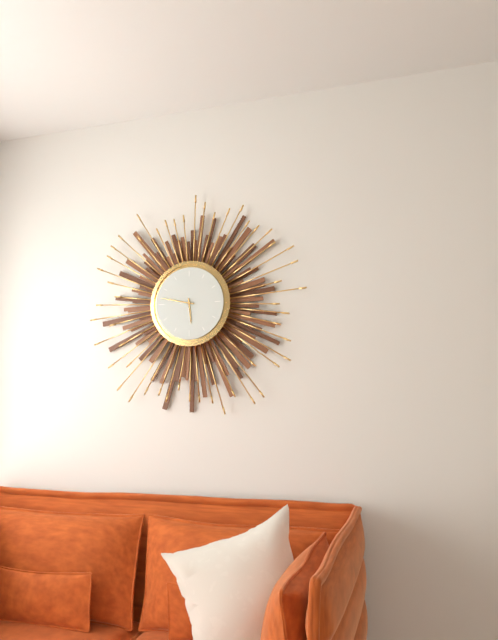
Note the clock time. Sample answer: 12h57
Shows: 5h47
